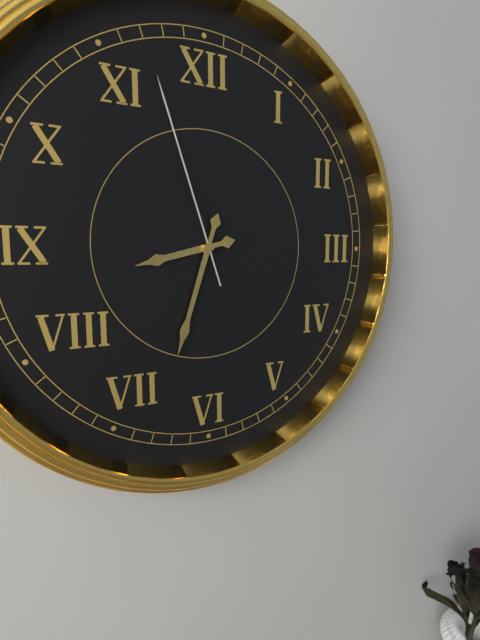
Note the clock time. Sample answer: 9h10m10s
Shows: 8h33m57s
